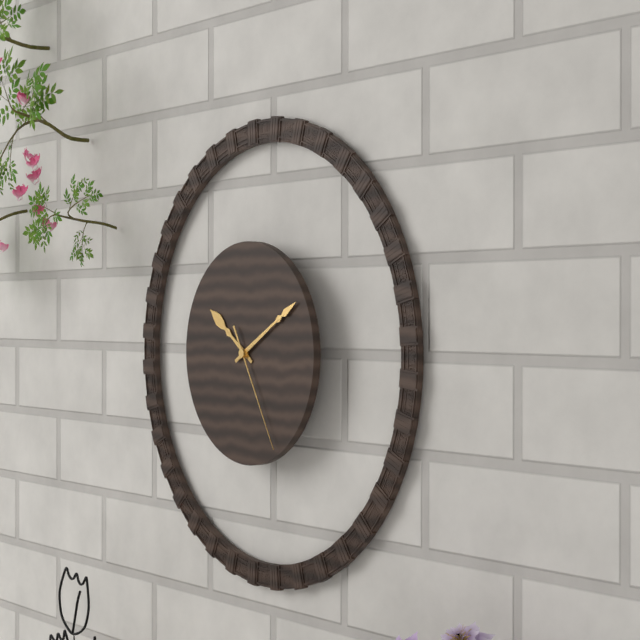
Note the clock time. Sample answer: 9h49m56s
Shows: 10h10m25s
